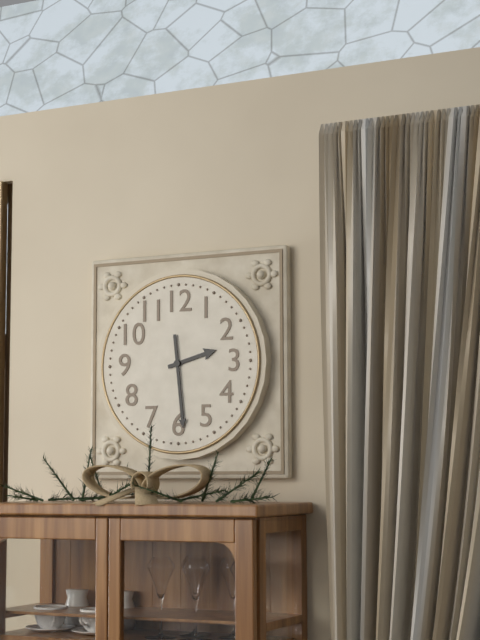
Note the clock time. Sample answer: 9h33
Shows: 2h29
